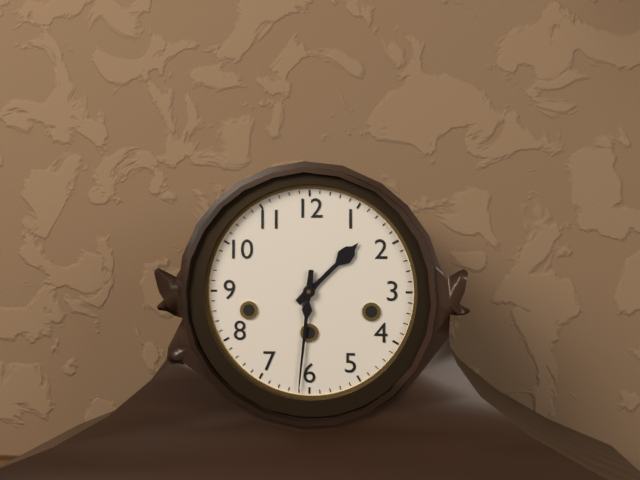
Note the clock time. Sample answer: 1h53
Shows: 1h31
